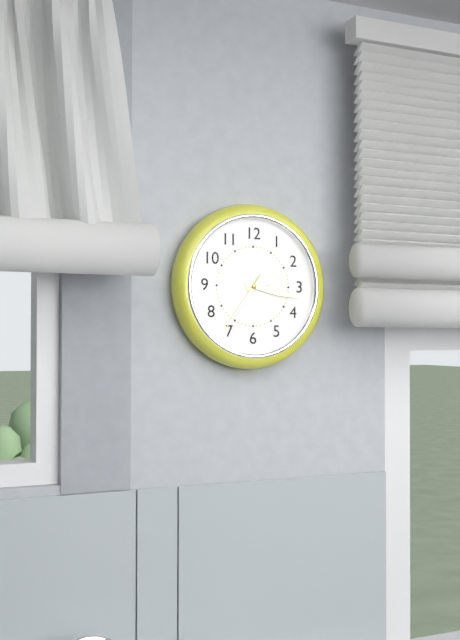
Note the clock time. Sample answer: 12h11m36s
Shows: 2h17m36s
